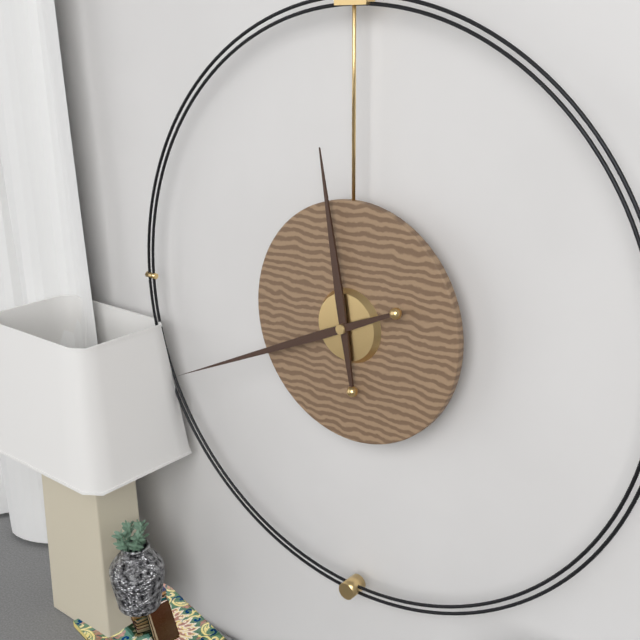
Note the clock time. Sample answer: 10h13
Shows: 11h41
